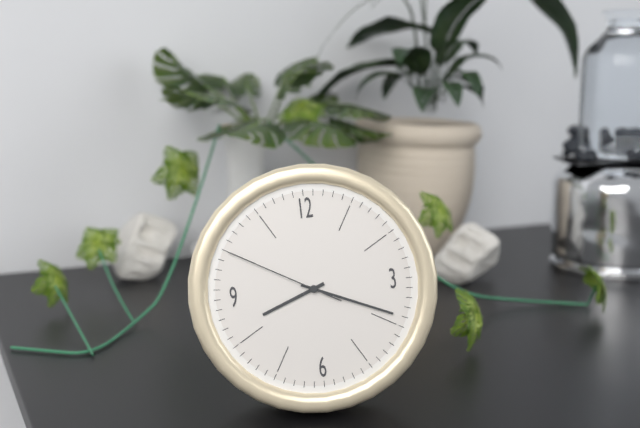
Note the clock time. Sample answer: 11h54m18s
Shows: 8h19m50s
